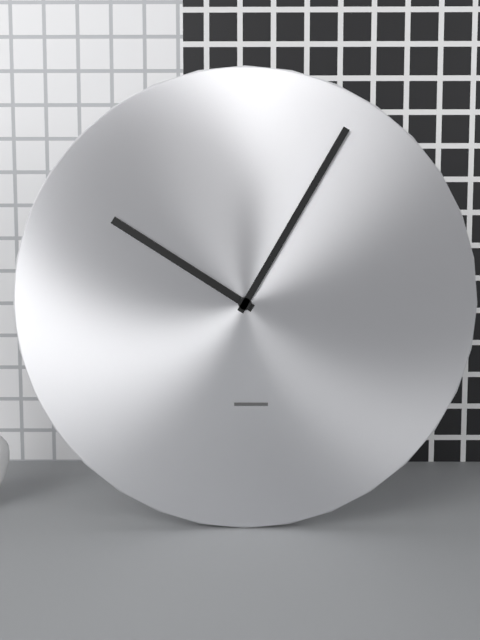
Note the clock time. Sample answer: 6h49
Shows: 10h05
